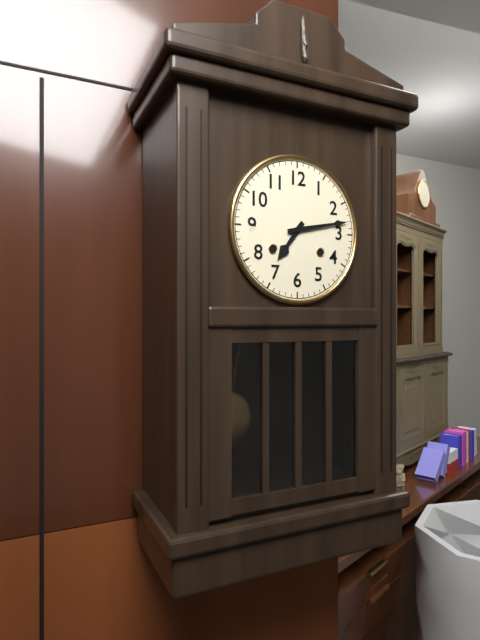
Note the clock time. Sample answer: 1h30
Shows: 7h13
